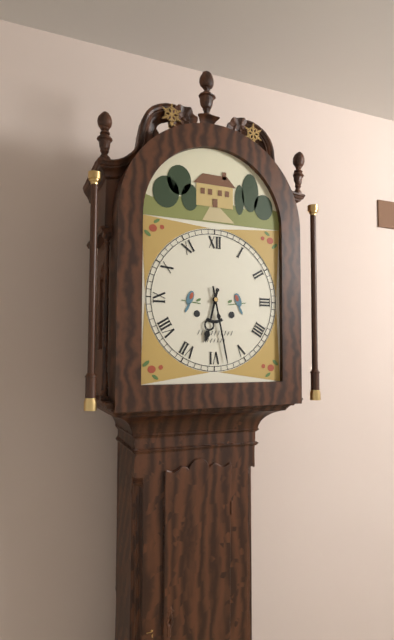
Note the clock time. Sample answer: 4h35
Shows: 6h28
